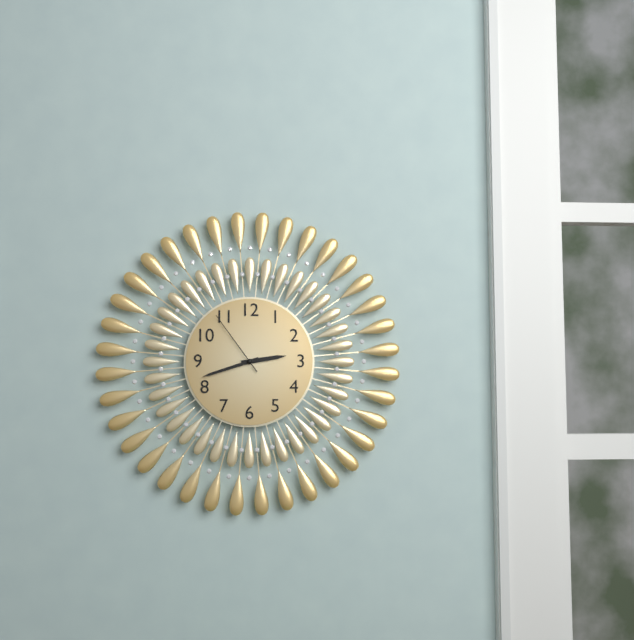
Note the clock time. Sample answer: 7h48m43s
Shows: 2h42m54s
